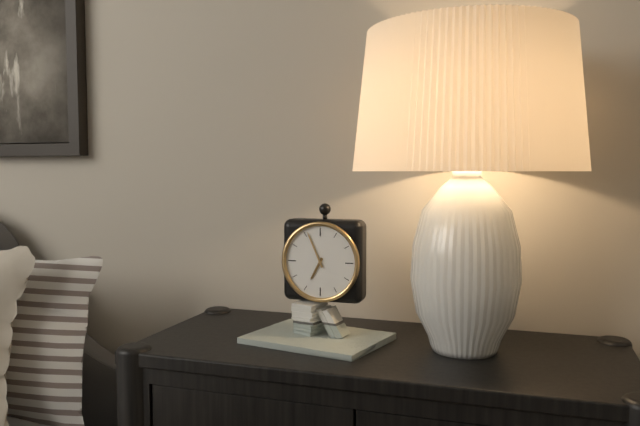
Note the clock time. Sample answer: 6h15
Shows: 6h56
